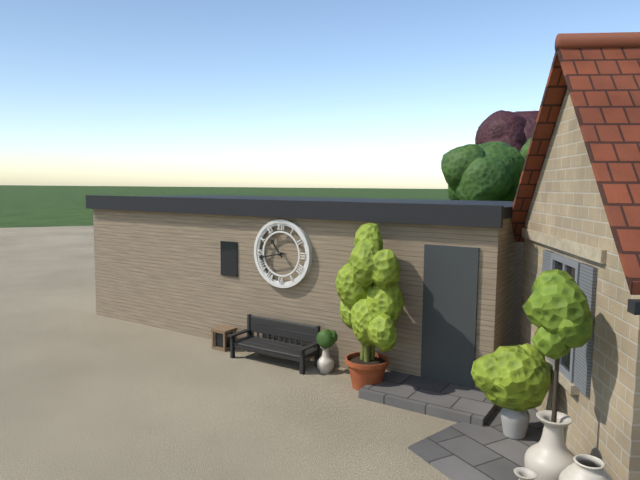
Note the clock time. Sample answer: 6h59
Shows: 10h43
